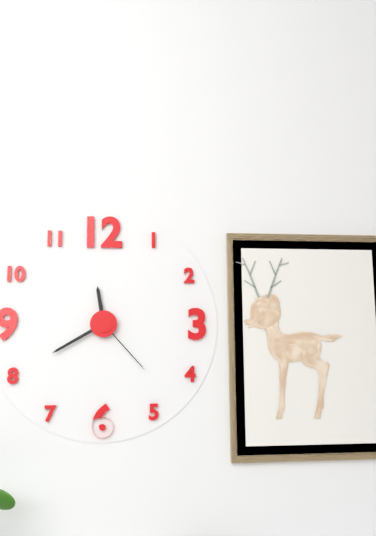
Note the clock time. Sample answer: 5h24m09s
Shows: 11h40m23s
